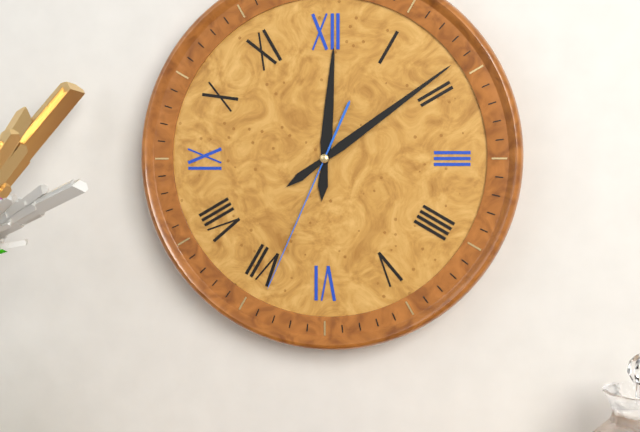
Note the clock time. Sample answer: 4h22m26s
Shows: 12h09m34s
